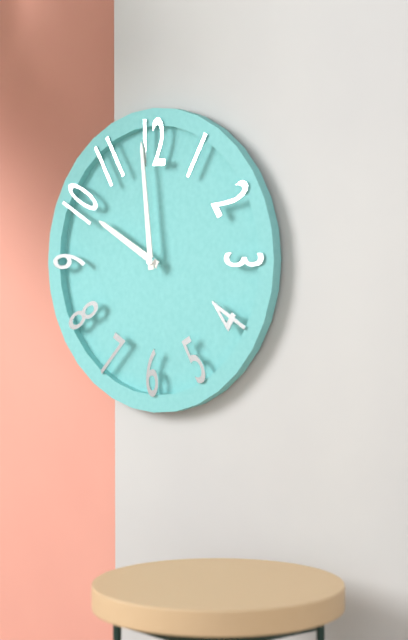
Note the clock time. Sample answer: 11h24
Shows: 9h59
